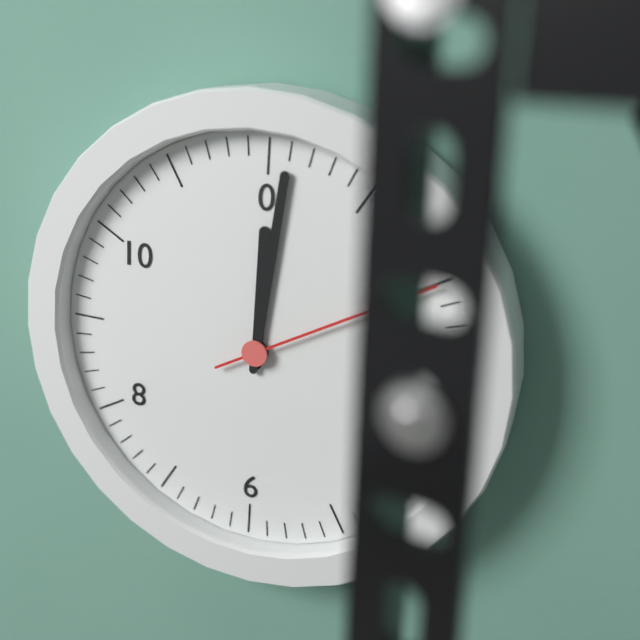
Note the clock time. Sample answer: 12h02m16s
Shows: 12h01m10s
